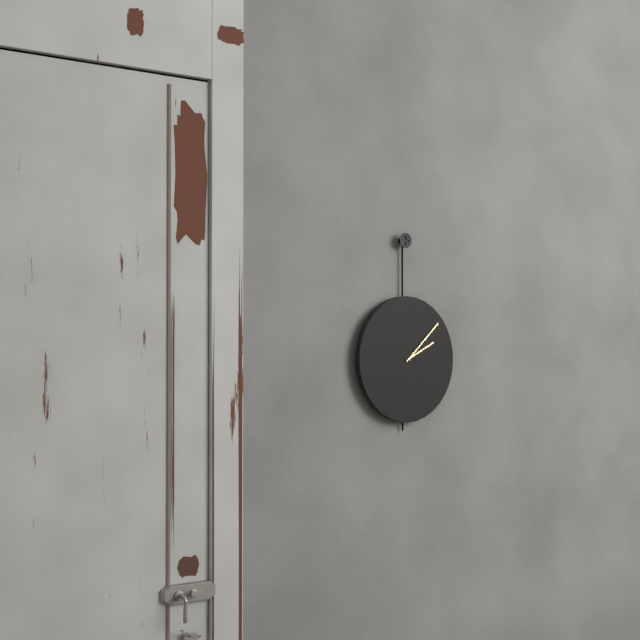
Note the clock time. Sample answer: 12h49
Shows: 2h08
